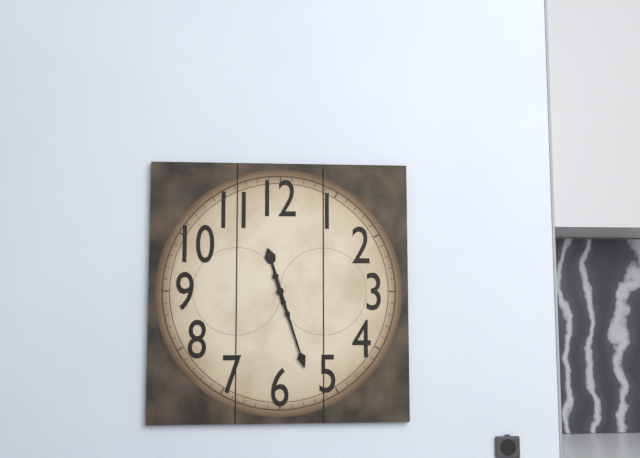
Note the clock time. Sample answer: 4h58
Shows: 11h27
